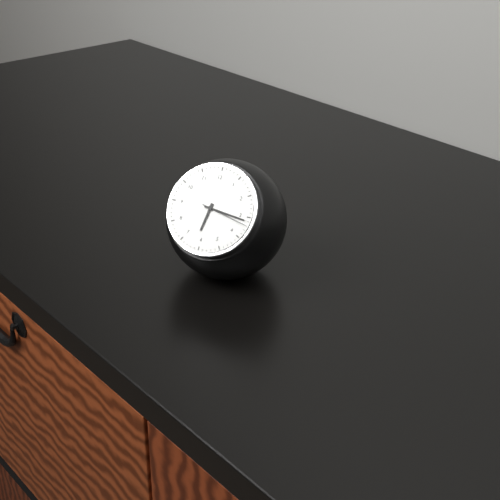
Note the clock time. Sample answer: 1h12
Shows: 6h16
